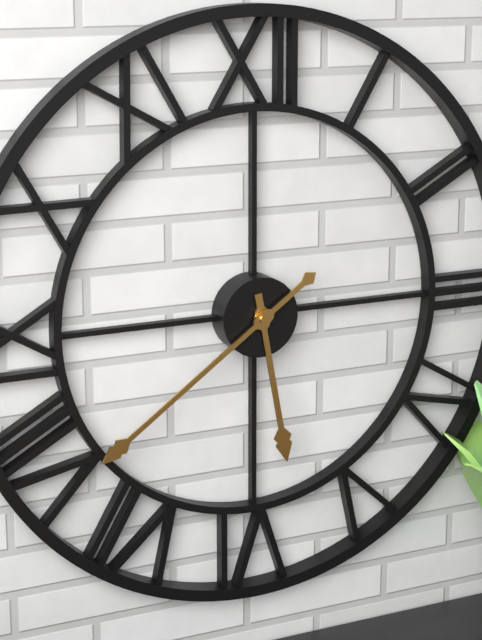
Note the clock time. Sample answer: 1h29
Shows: 5h39
